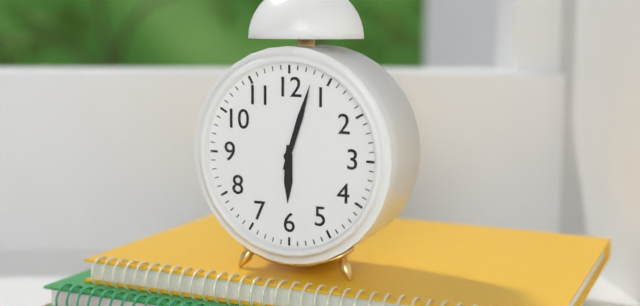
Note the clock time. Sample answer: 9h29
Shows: 6h03
